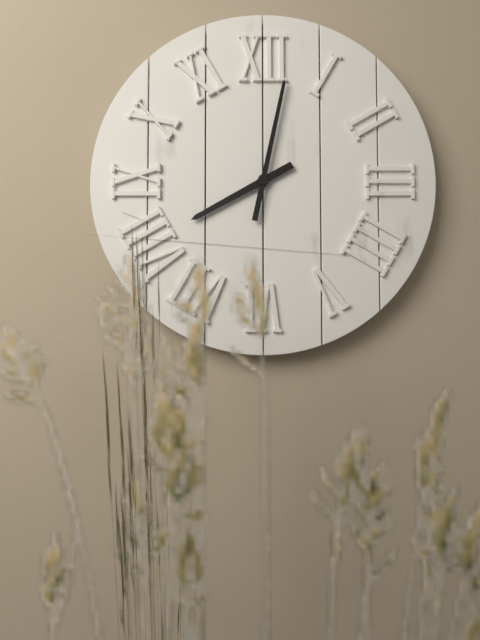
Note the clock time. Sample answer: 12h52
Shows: 8h02
